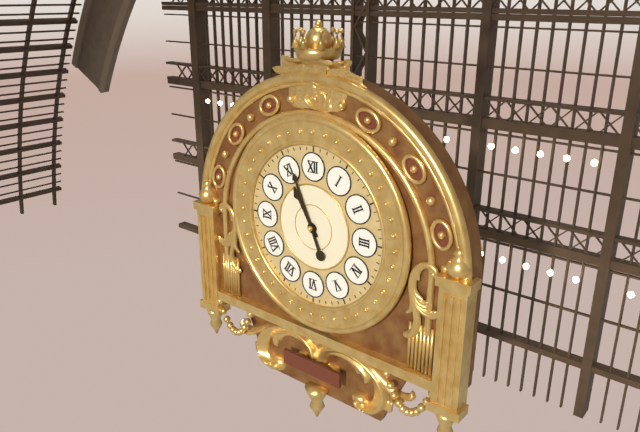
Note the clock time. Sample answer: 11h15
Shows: 10h56
